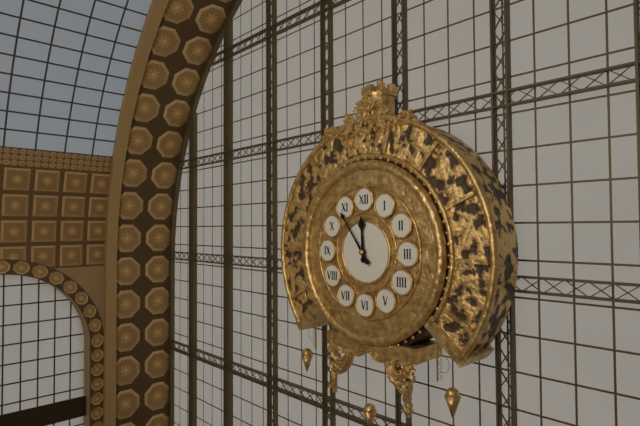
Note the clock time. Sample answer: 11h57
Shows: 11h54
